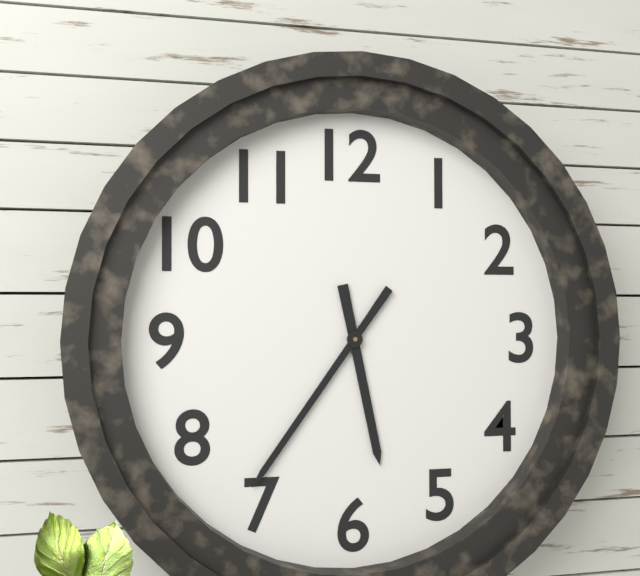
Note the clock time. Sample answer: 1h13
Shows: 5h36
